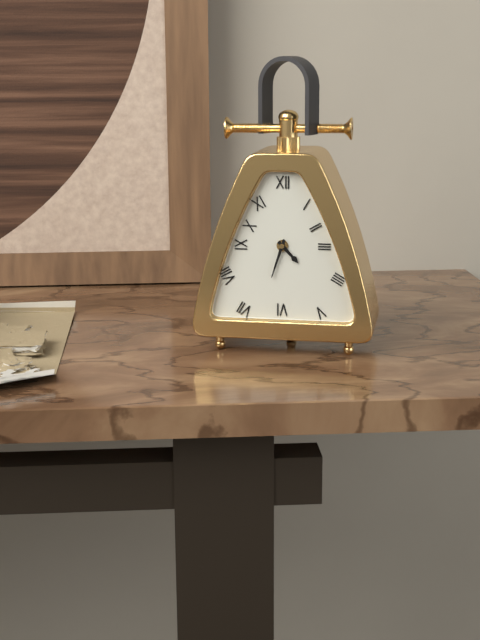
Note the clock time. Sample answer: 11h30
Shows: 4h33
